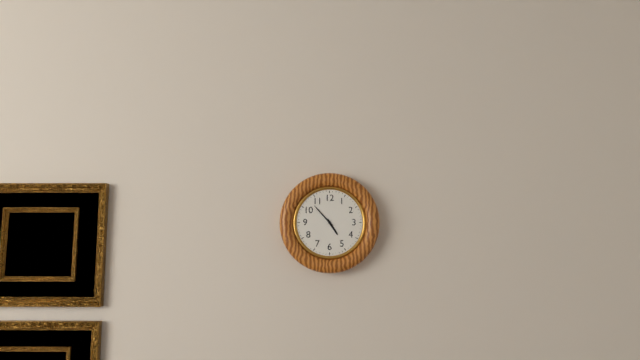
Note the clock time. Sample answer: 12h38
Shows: 4h53
